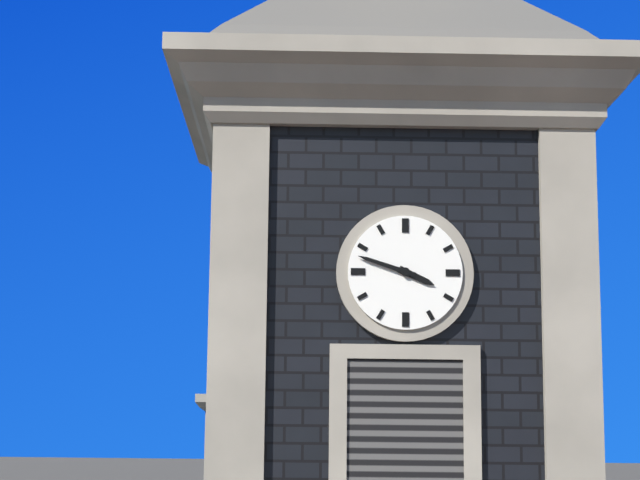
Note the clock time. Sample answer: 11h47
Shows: 3h48
